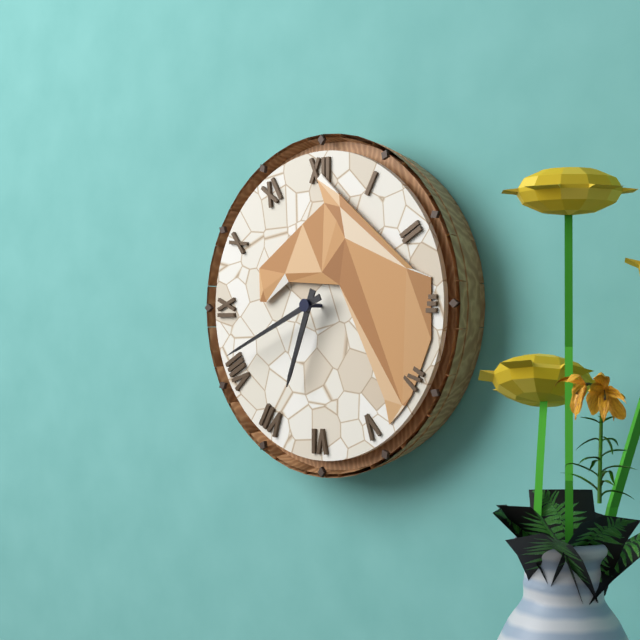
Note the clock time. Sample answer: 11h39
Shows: 6h41
